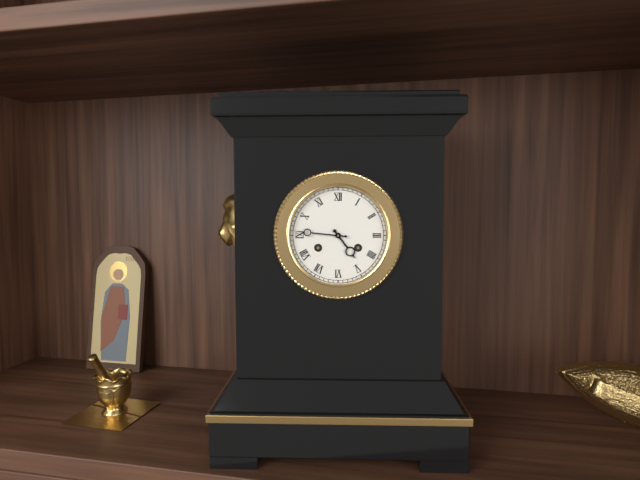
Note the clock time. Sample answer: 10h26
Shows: 4h46
